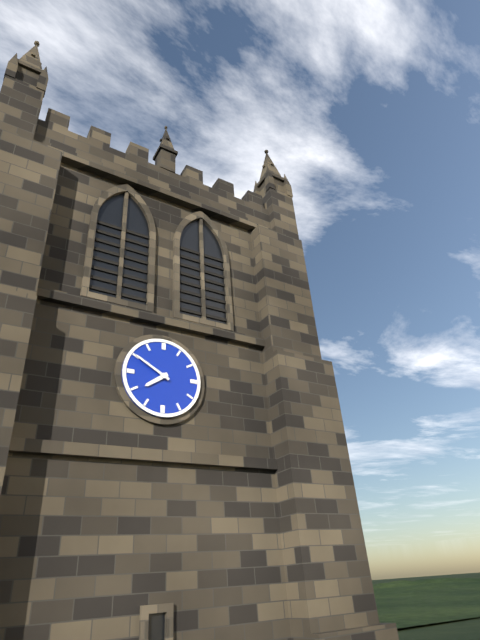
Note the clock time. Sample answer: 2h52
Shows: 7h50
